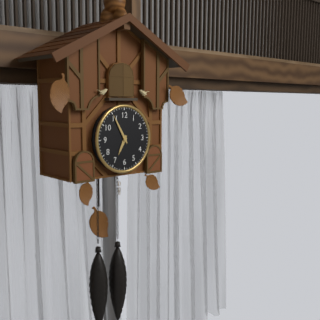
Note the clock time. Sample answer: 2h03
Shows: 6h55
